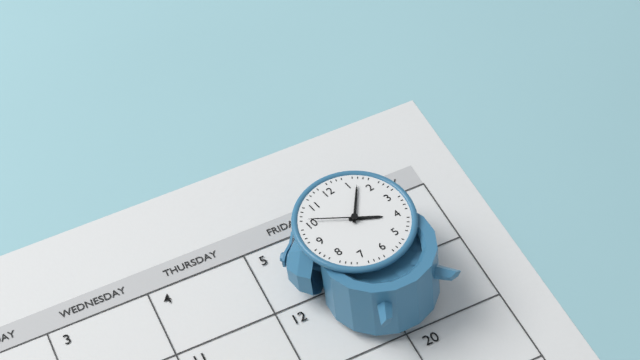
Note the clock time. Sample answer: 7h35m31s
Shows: 4h07m51s
